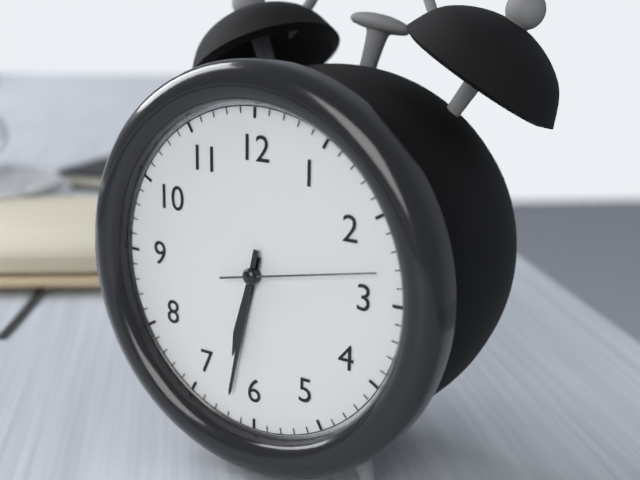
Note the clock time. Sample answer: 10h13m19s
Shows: 6h32m13s
